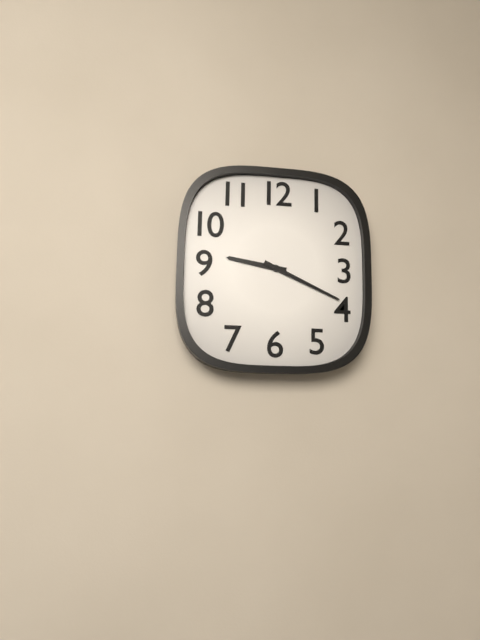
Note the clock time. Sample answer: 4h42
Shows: 9h19
